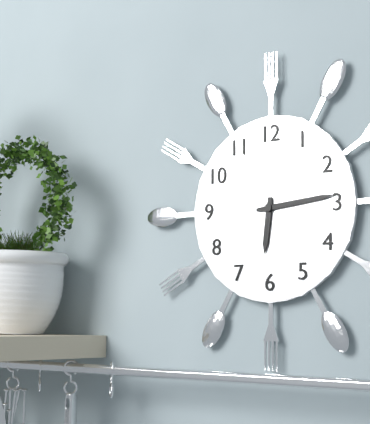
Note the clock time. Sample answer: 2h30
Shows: 6h14
